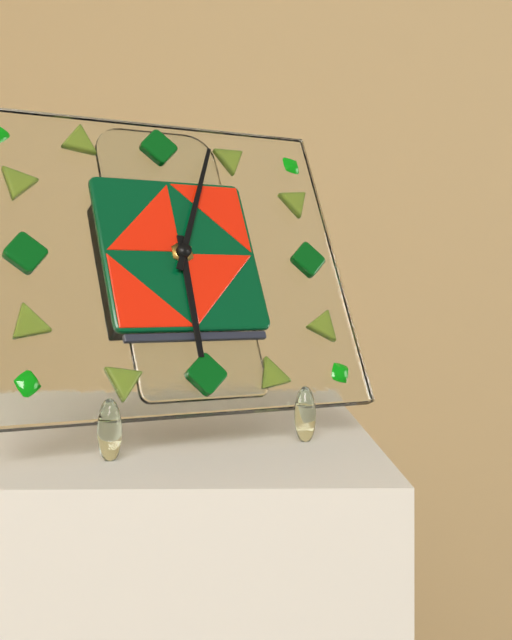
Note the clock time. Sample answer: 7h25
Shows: 6h04
